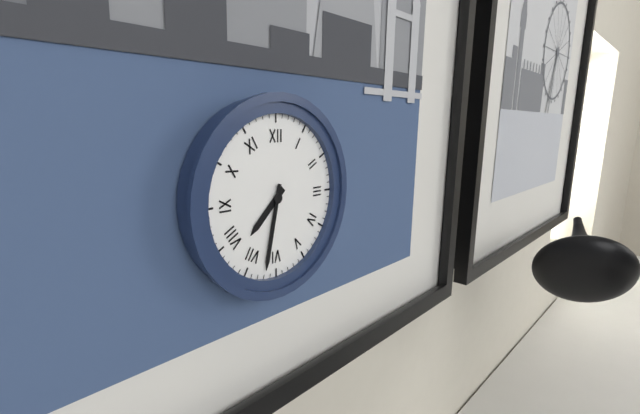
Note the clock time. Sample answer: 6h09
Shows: 7h32
